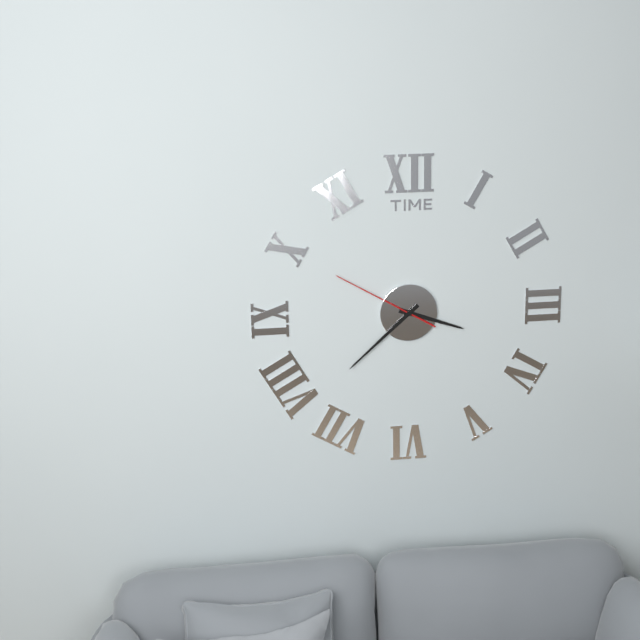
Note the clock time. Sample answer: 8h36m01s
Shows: 3h38m50s
